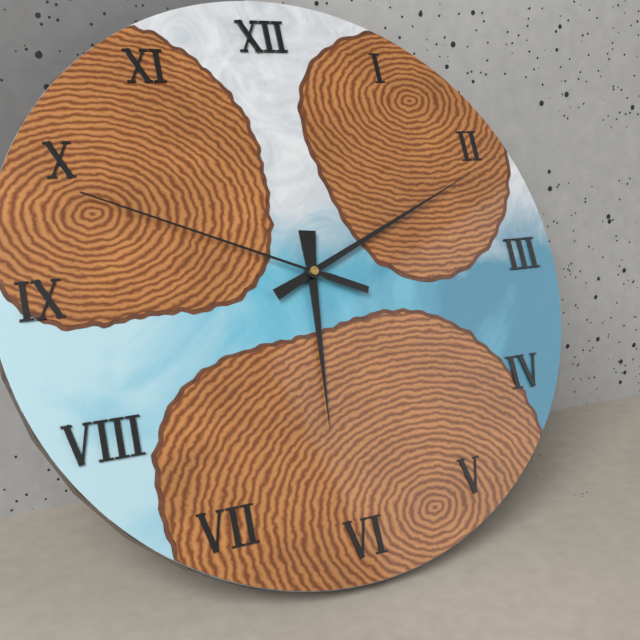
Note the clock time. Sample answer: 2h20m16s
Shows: 6h11m49s
